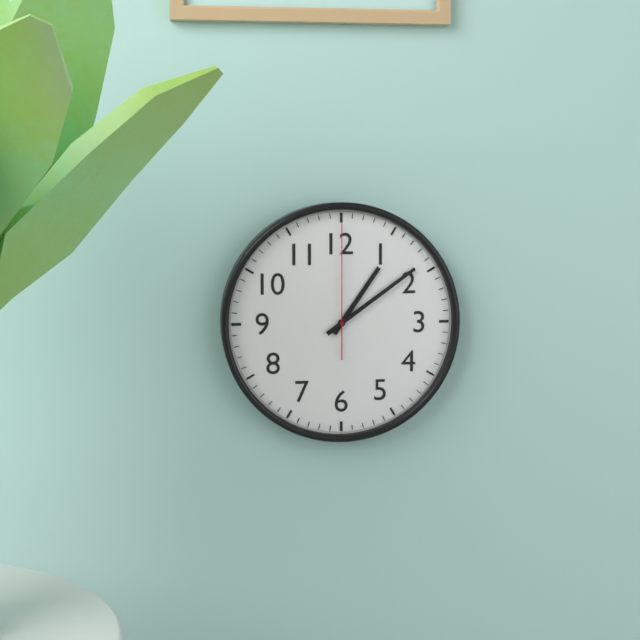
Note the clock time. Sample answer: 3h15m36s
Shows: 1h09m00s
